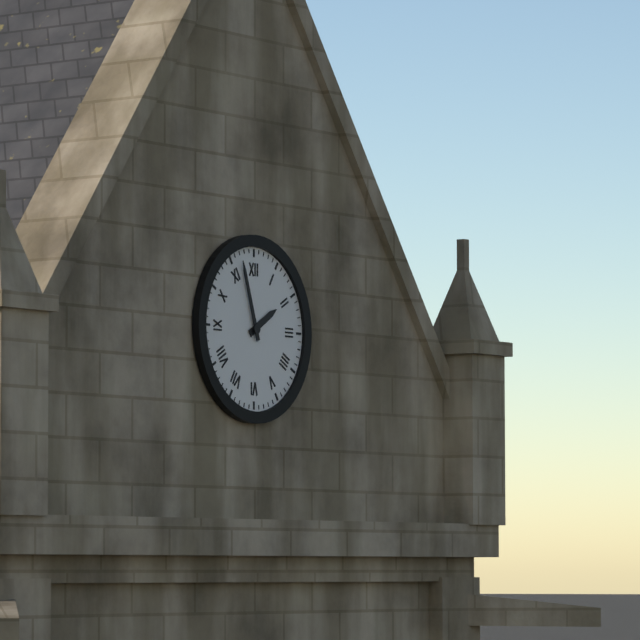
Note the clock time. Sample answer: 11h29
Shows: 1h57
